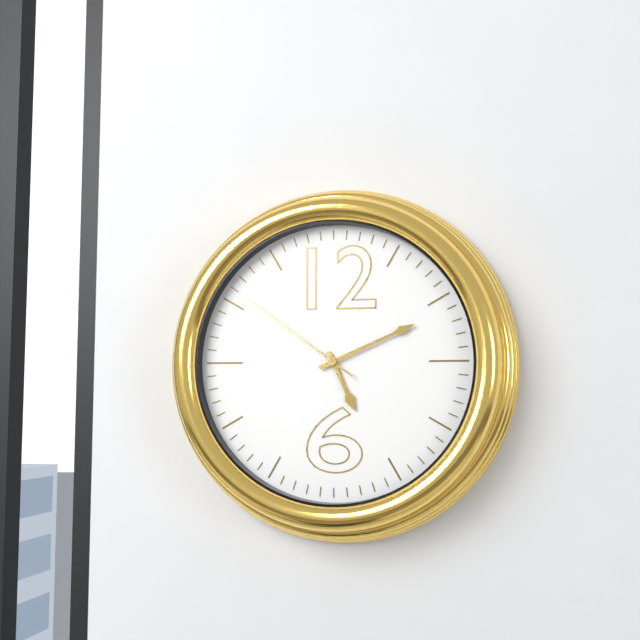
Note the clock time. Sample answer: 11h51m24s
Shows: 5h11m51s
